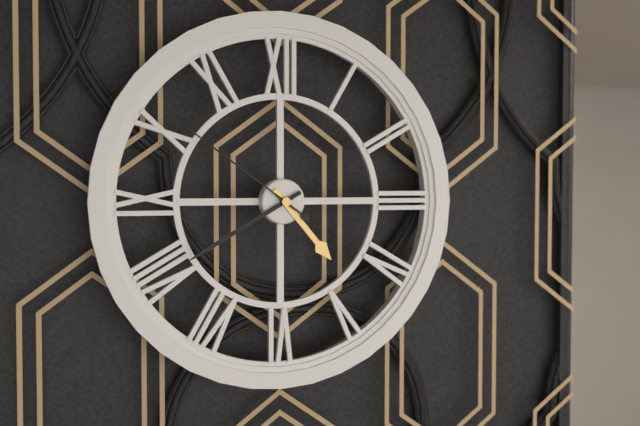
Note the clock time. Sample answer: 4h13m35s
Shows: 4h40m51s
